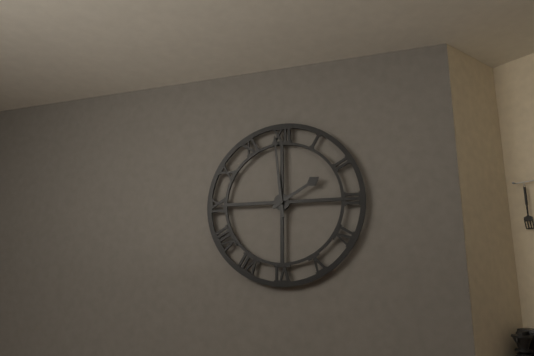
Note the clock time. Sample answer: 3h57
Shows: 1h59
